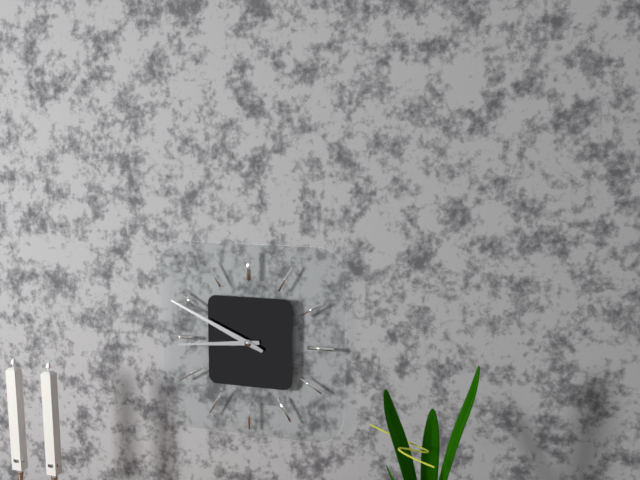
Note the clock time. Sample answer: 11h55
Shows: 8h49
